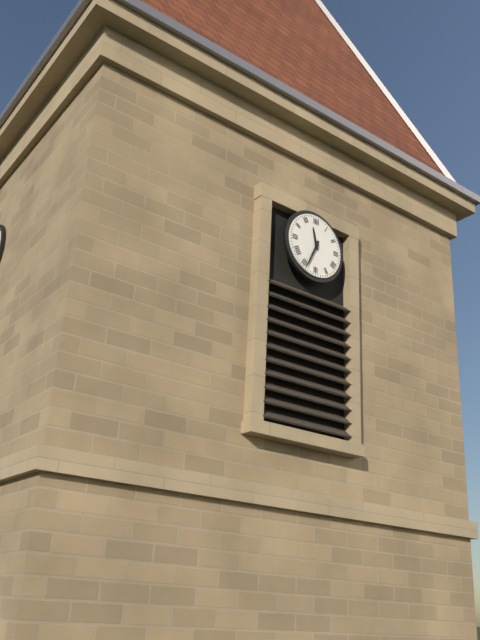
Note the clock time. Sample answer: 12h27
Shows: 11h34
